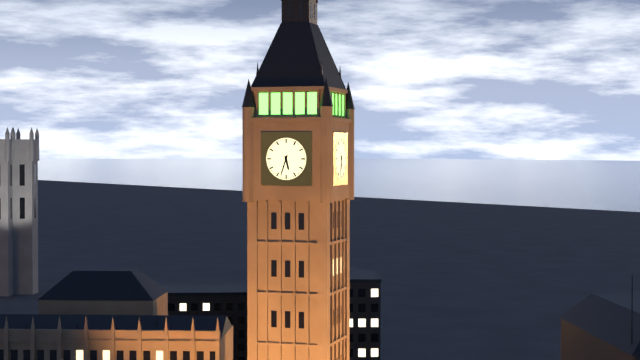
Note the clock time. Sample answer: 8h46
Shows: 5h33
